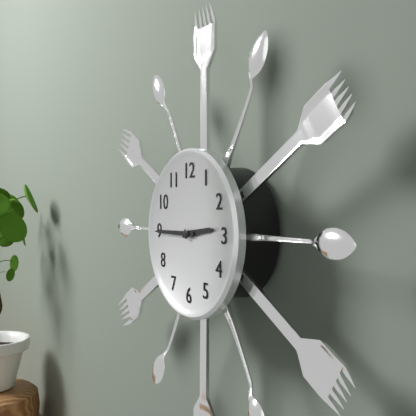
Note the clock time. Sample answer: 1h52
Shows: 2h45
